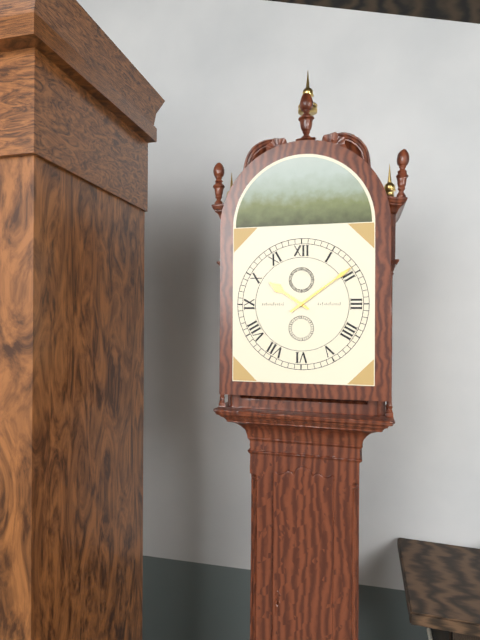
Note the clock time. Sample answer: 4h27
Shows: 10h09
